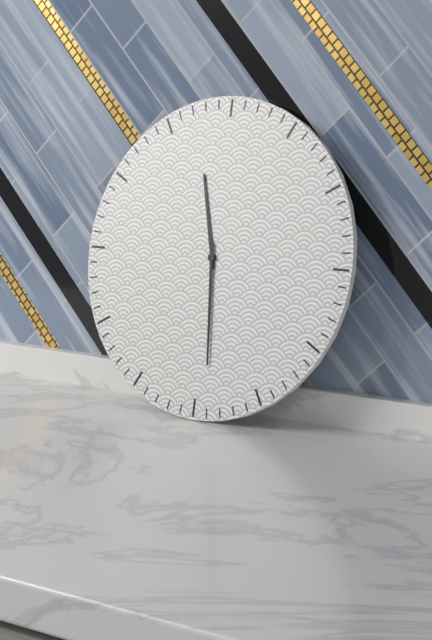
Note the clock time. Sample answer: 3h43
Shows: 11h29
